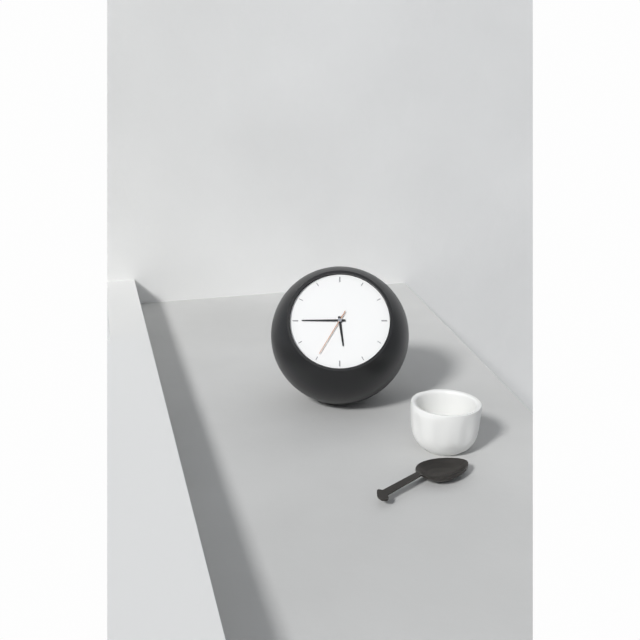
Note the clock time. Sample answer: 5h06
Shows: 5h45
